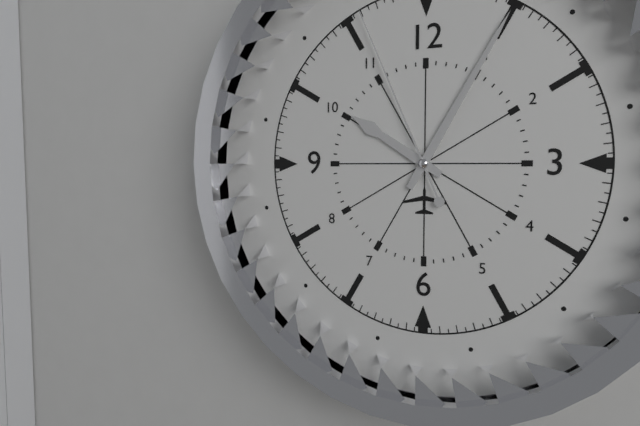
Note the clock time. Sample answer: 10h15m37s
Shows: 10h05m56s
